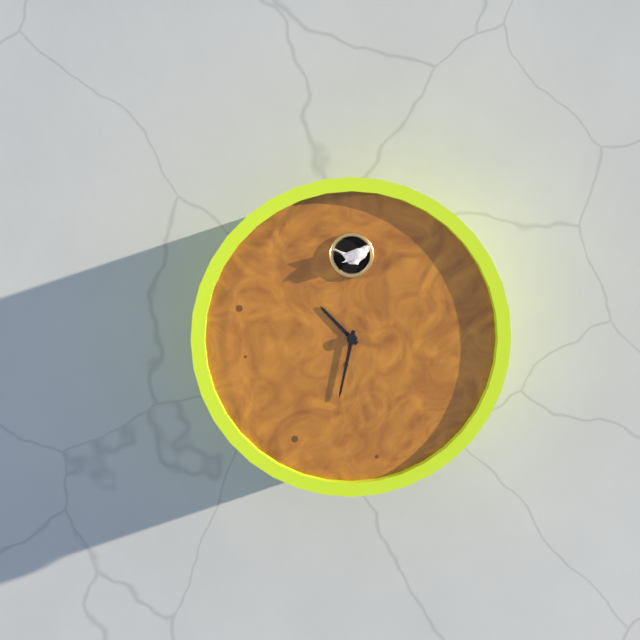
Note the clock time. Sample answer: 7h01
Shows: 10h32
